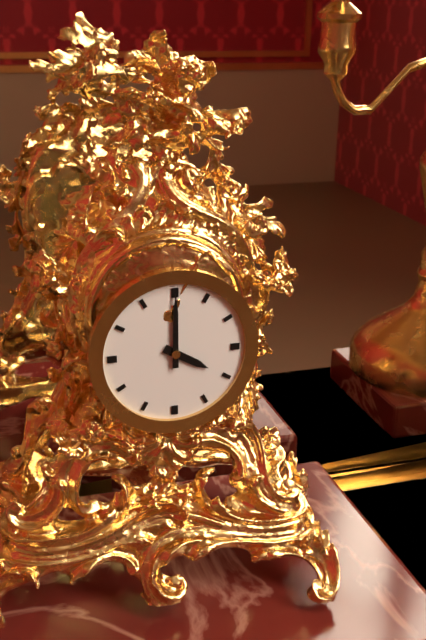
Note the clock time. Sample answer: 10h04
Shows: 4h00
